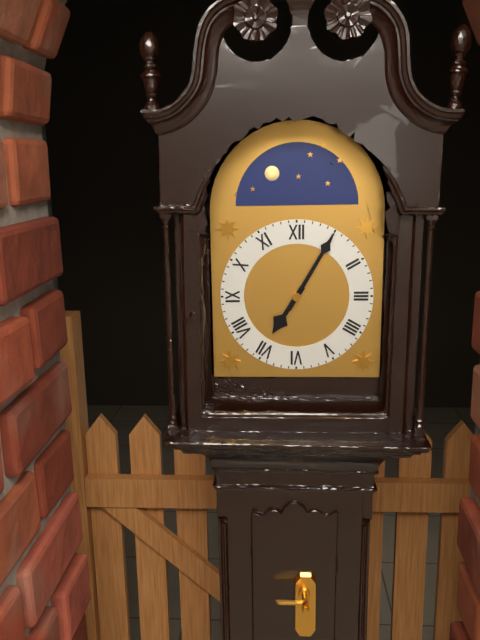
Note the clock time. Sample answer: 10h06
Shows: 7h05
